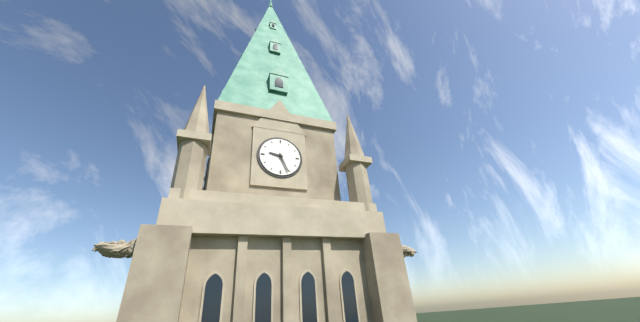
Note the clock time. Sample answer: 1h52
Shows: 9h26
